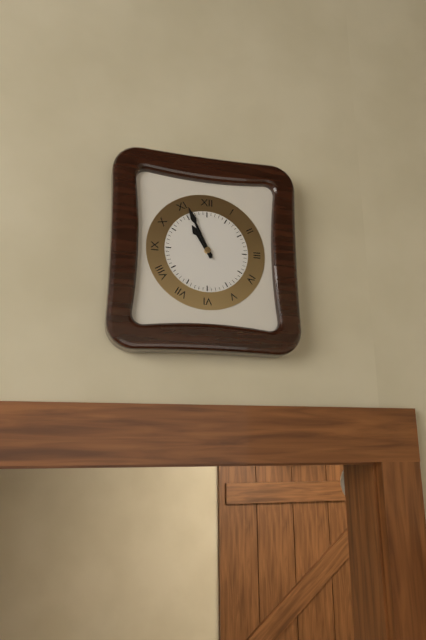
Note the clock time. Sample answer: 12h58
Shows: 10h56
